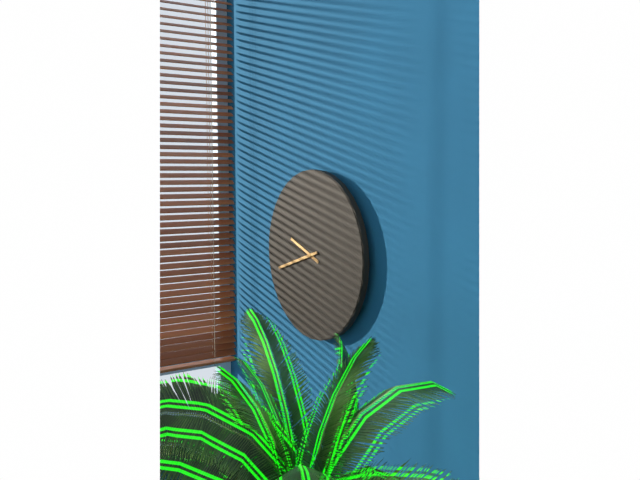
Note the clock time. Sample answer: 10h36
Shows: 9h42
